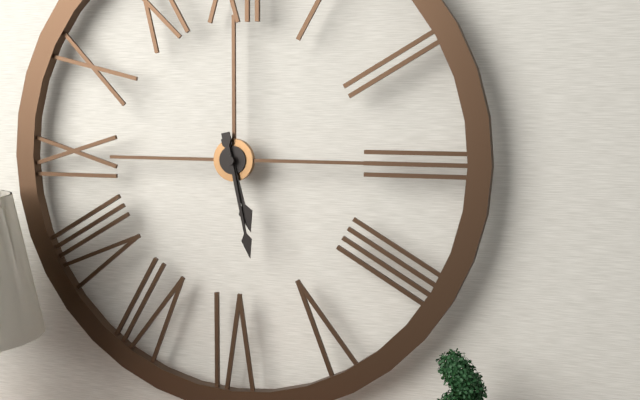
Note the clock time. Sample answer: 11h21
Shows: 5h28
